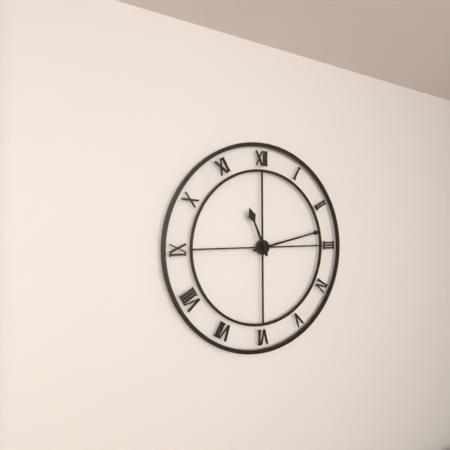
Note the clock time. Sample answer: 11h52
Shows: 11h13
